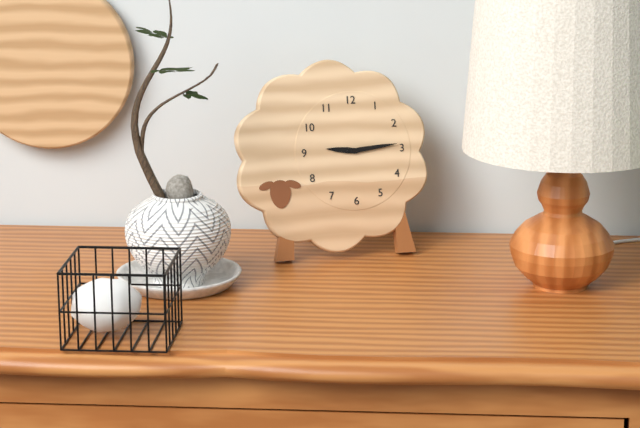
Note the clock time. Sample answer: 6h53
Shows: 9h14
